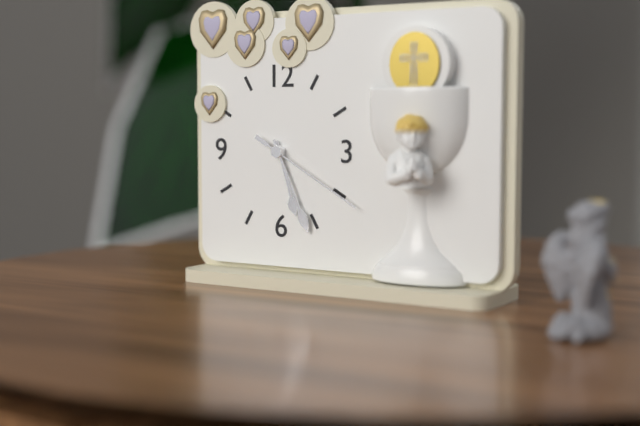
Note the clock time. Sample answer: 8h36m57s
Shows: 5h26m20s
